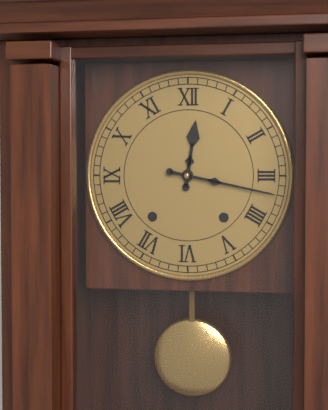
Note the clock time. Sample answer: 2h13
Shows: 12h17
